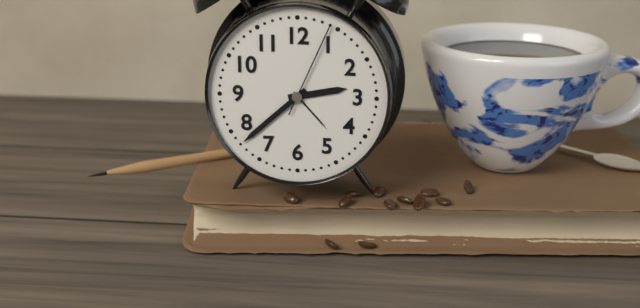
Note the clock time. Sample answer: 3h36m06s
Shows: 2h38m04s
